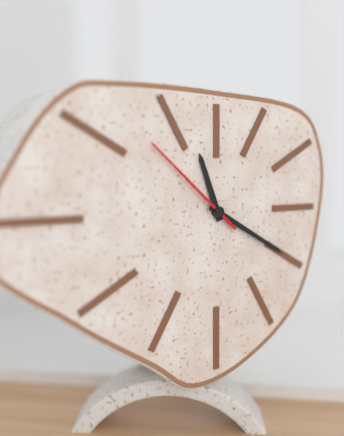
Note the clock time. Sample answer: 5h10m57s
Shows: 11h20m52s
